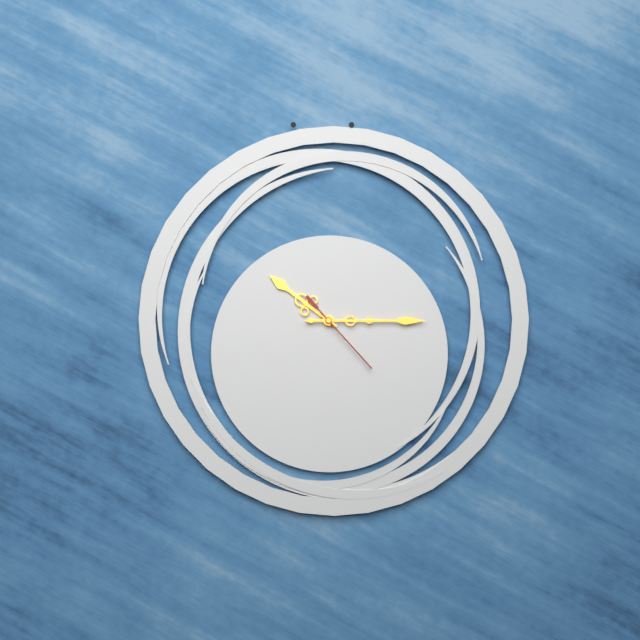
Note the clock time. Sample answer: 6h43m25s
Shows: 10h15m23s
